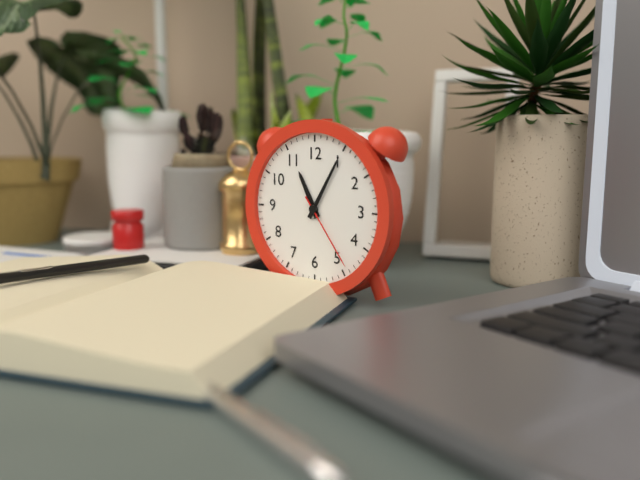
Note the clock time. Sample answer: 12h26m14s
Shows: 11h05m24s
